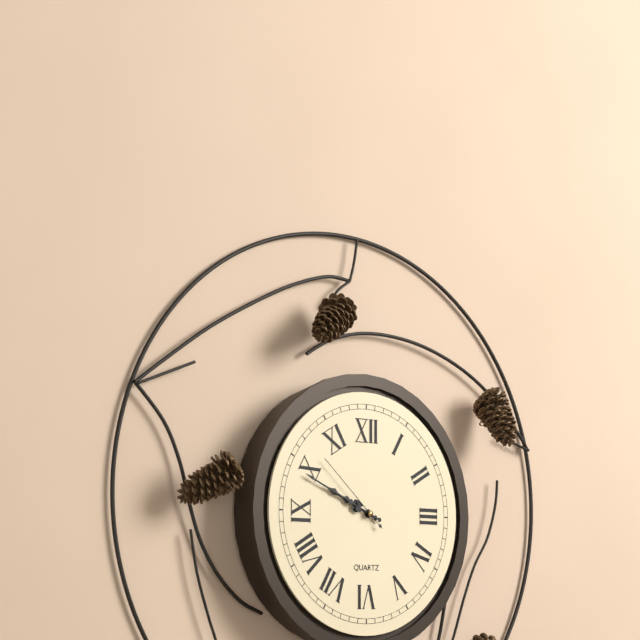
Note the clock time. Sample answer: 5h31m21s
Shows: 9h49m52s
